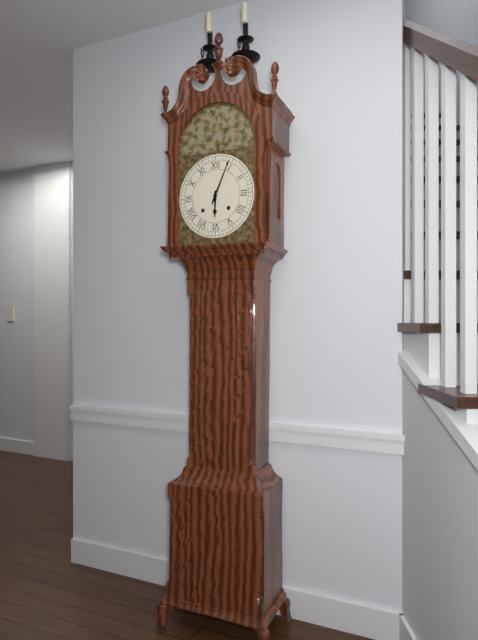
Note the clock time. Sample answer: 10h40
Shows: 6h04
